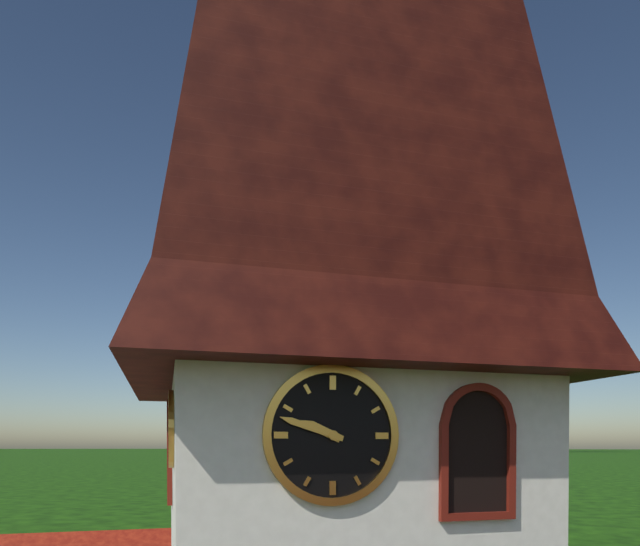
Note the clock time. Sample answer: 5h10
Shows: 9h48
